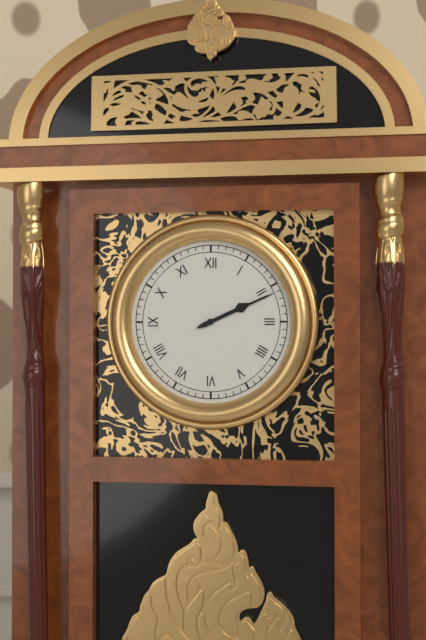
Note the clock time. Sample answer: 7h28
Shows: 2h11
